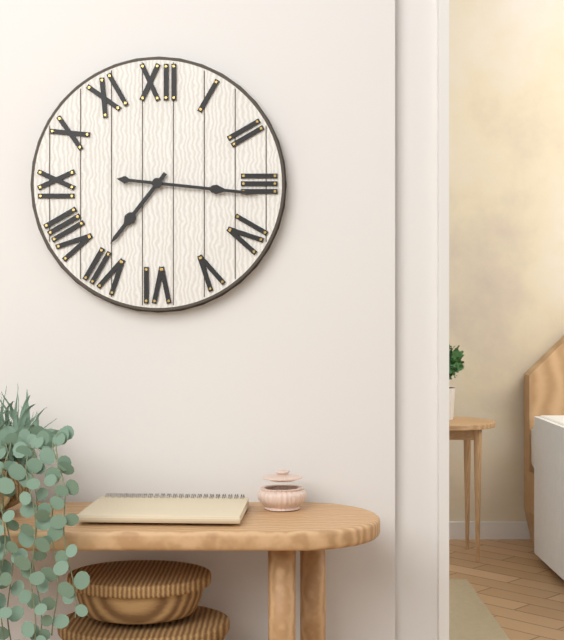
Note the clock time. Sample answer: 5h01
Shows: 7h16
